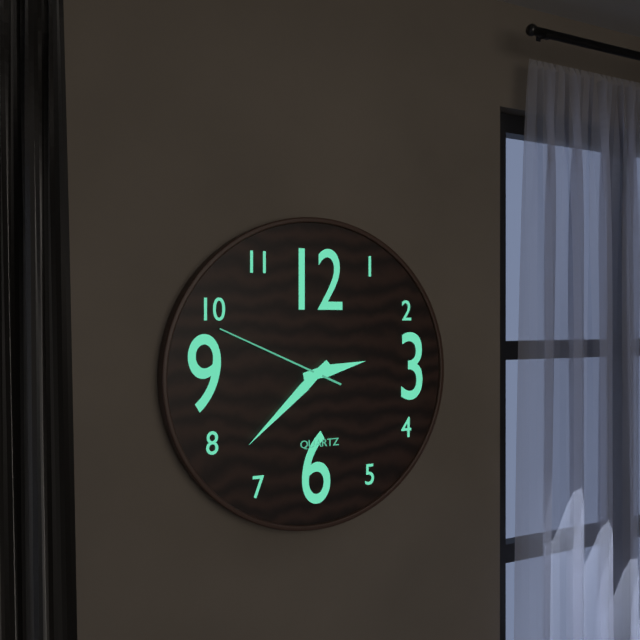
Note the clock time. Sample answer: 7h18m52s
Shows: 2h38m49s
